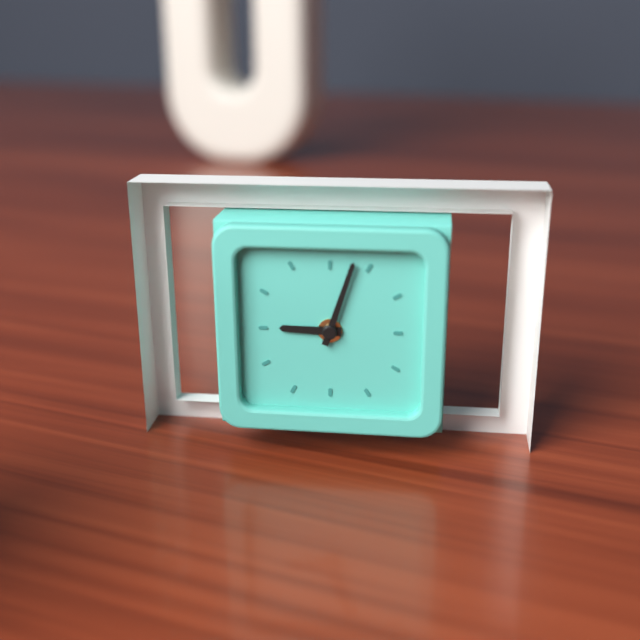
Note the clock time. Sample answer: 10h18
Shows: 9h03
